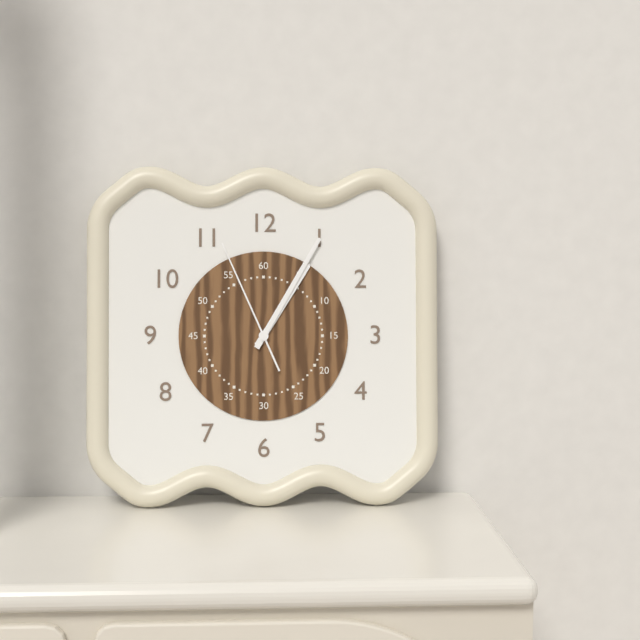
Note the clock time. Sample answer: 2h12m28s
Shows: 1h05m56s
